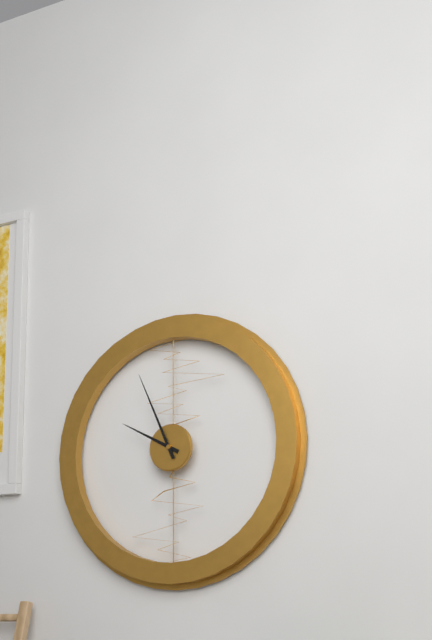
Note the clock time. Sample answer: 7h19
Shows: 9h56
